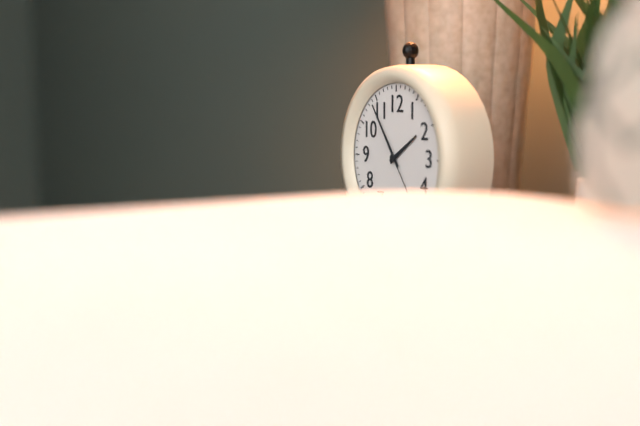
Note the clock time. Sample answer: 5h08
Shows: 1h54
